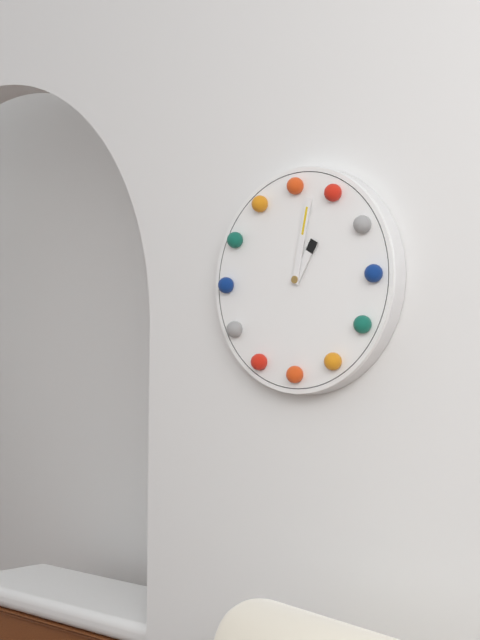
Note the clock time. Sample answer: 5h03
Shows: 1h02
